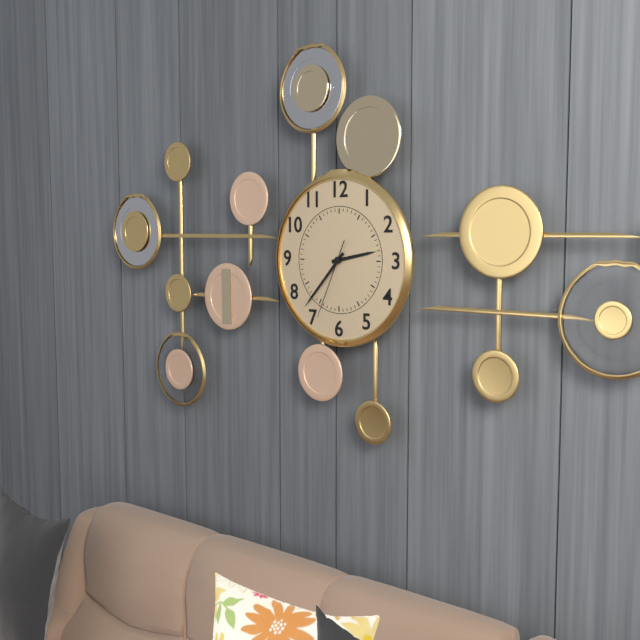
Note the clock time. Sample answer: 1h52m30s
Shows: 2h37m34s
